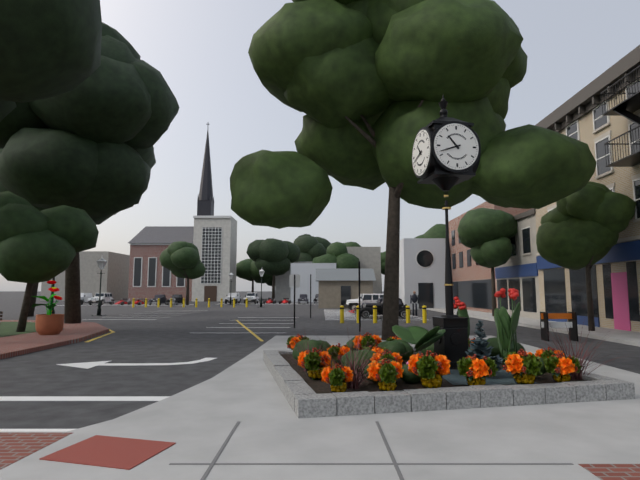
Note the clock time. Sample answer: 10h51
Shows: 10h42
